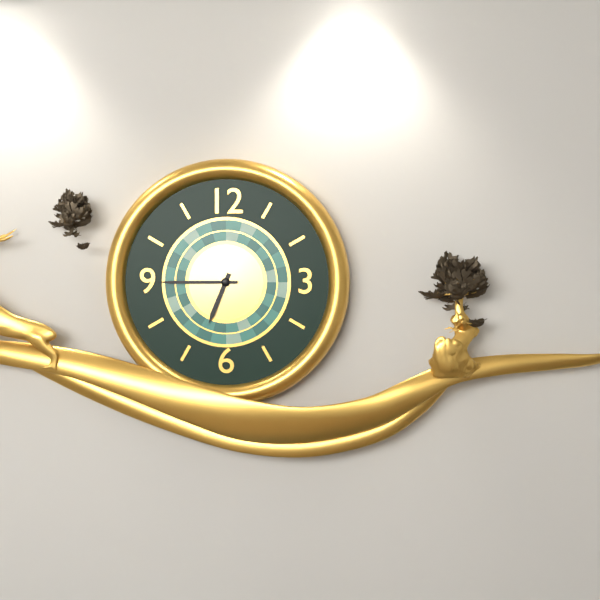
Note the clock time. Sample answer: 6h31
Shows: 6h45
